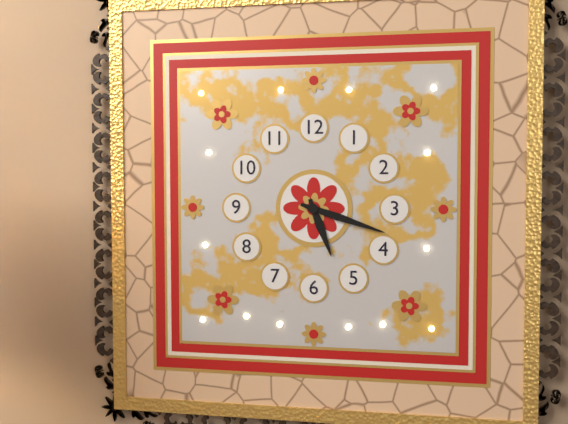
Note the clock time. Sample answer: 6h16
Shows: 5h18
